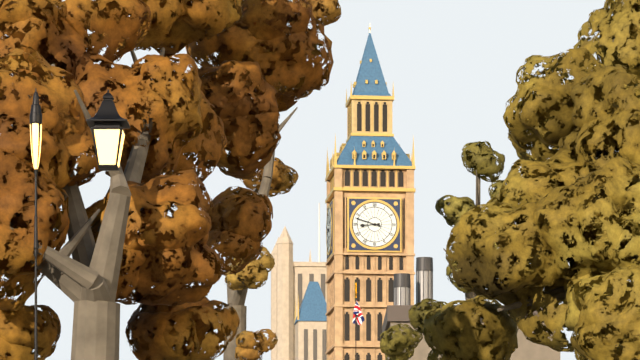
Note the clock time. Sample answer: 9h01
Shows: 8h48
